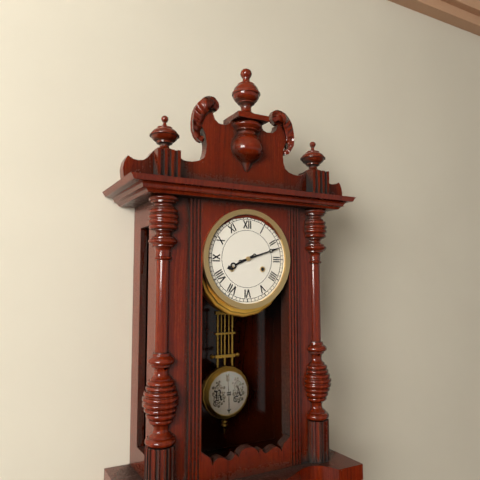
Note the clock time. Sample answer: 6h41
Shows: 8h12
